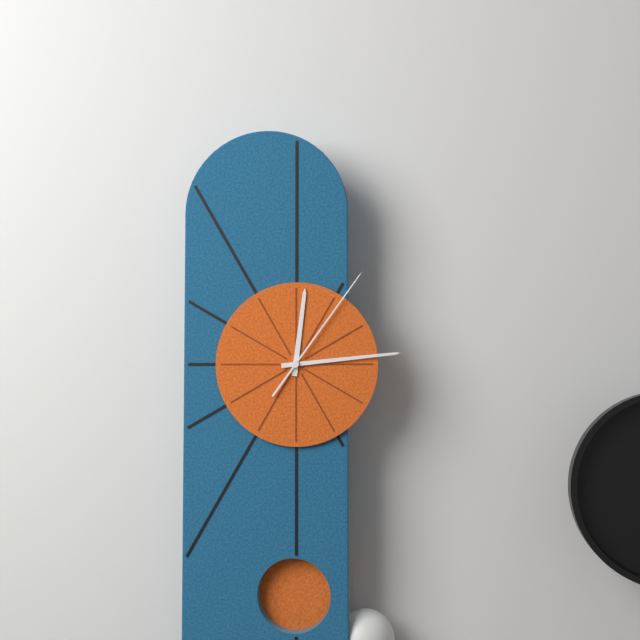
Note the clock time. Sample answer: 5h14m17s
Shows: 12h14m06s
